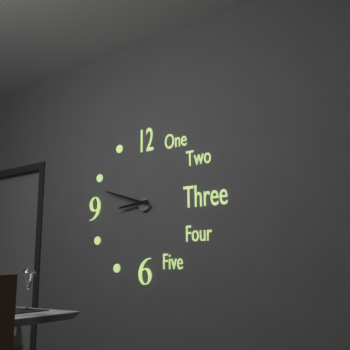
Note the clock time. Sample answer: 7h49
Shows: 8h48
